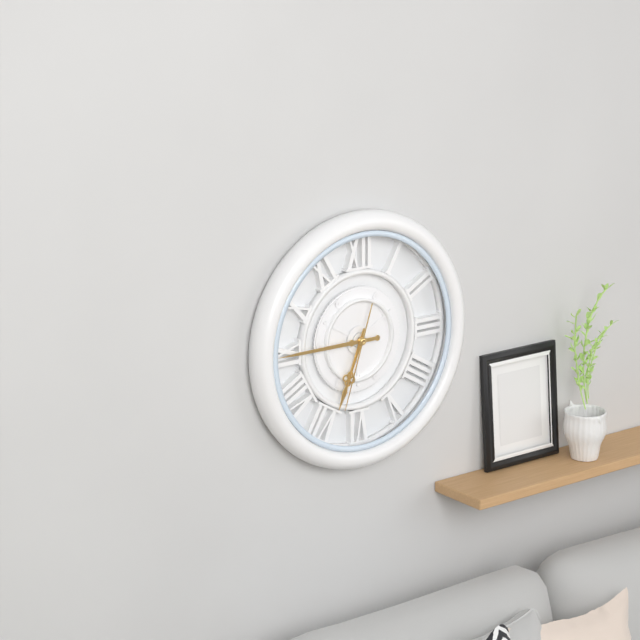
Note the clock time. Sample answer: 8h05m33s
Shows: 6h45m33s
